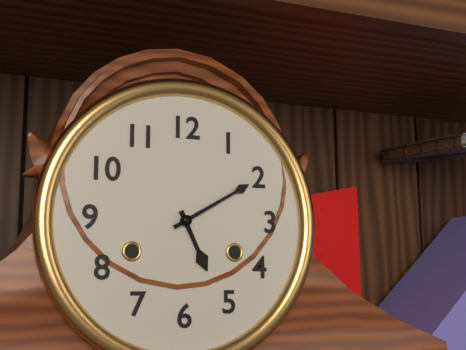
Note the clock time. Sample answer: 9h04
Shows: 5h10
